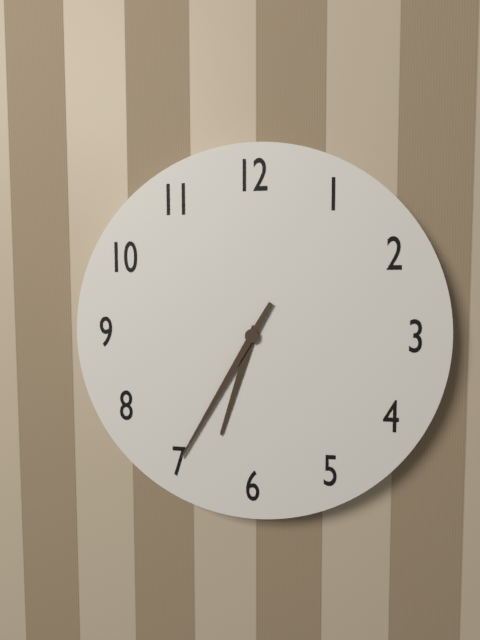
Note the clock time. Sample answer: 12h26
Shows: 6h35
